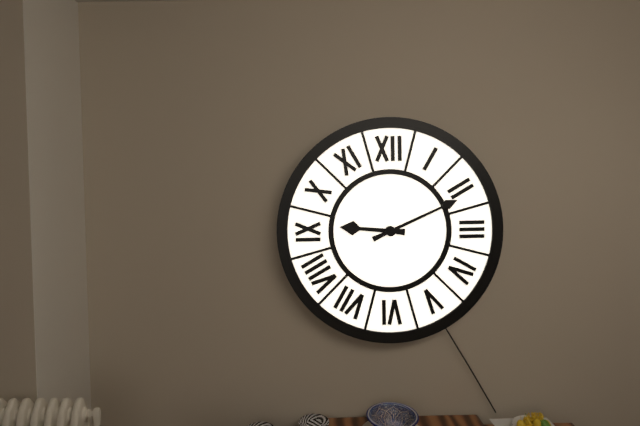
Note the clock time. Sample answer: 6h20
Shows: 9h11
